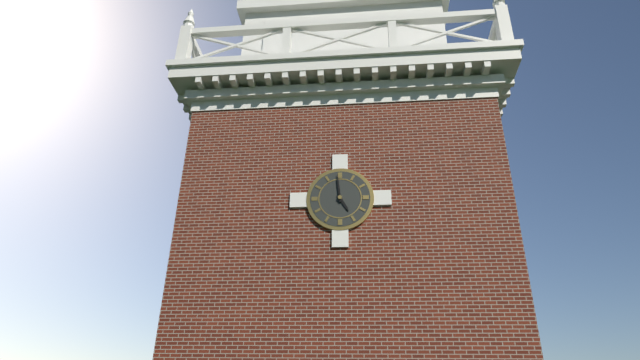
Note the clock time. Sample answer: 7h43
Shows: 4h59
